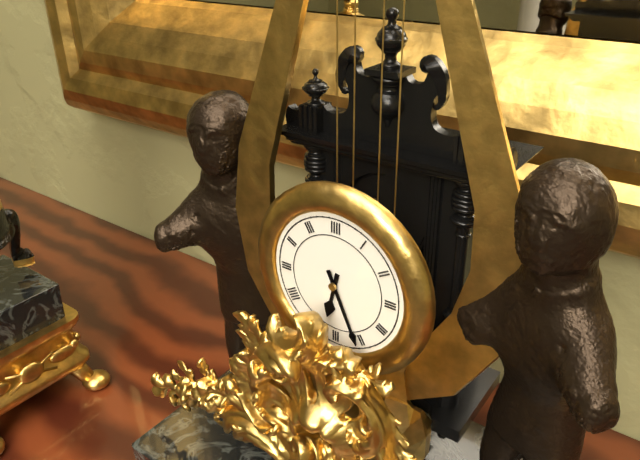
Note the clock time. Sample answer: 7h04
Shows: 6h26
